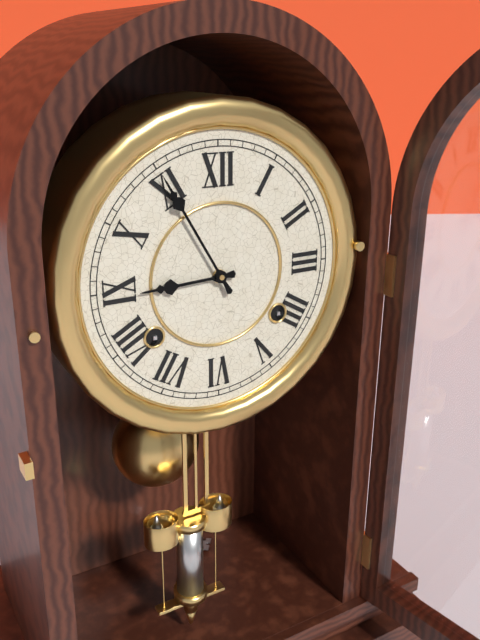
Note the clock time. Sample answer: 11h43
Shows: 8h55
